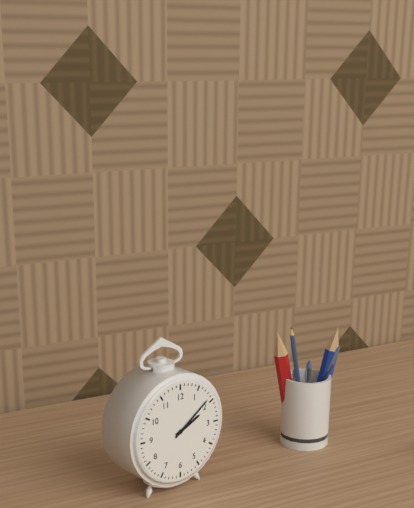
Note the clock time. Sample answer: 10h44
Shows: 2h09
